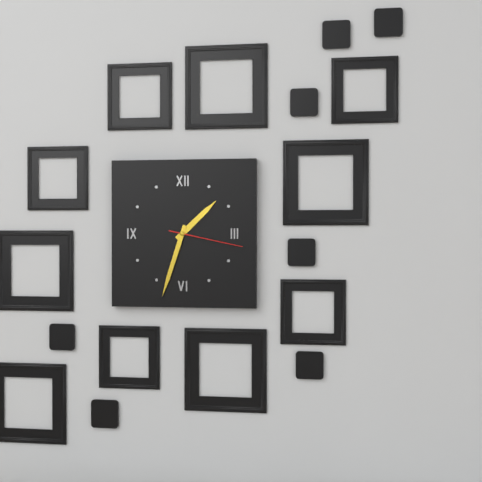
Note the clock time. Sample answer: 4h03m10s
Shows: 1h33m17s
